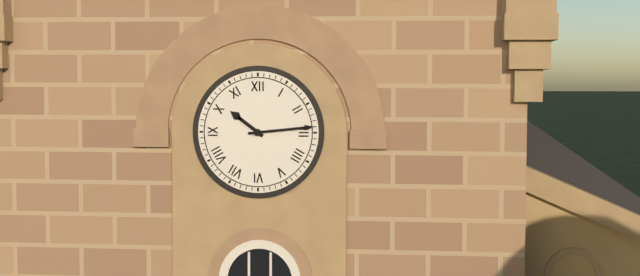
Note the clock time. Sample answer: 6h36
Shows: 10h14
